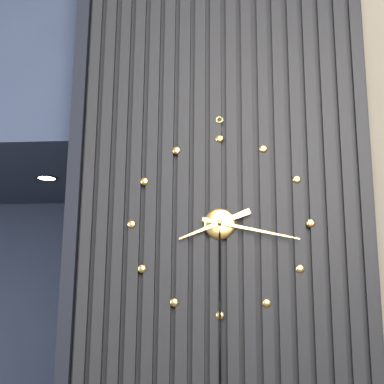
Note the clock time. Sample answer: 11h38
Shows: 8h17
